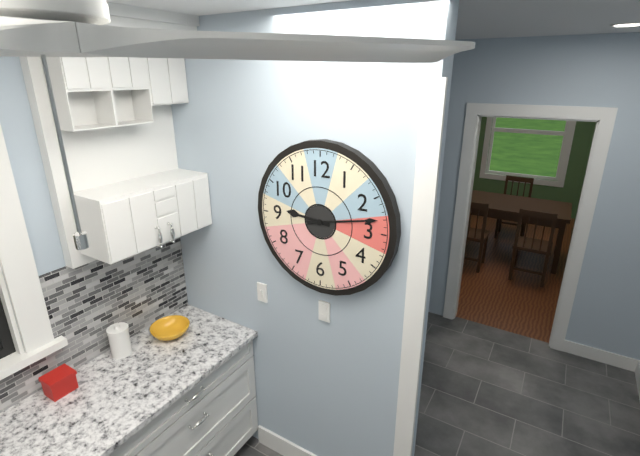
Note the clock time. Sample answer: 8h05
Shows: 9h13
